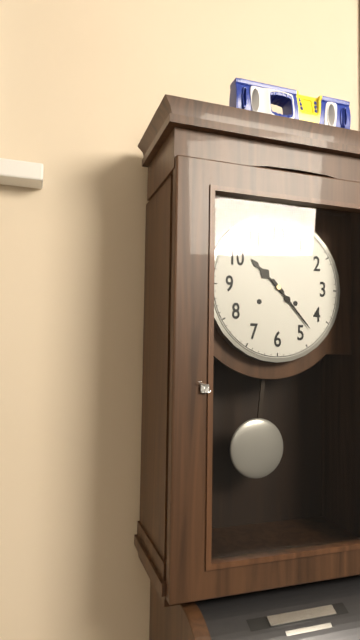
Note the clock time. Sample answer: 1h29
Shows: 10h23
